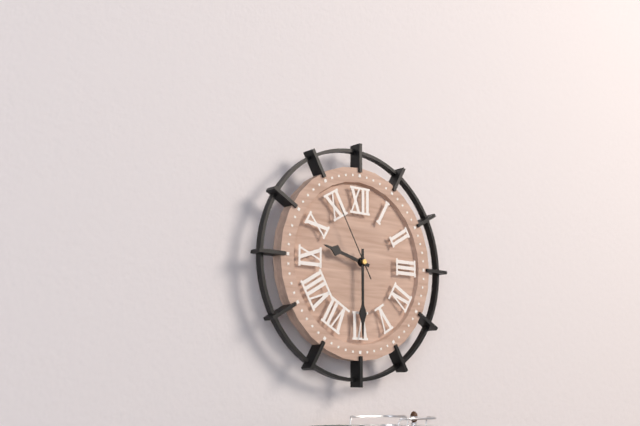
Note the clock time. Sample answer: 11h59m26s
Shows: 9h30m55s
